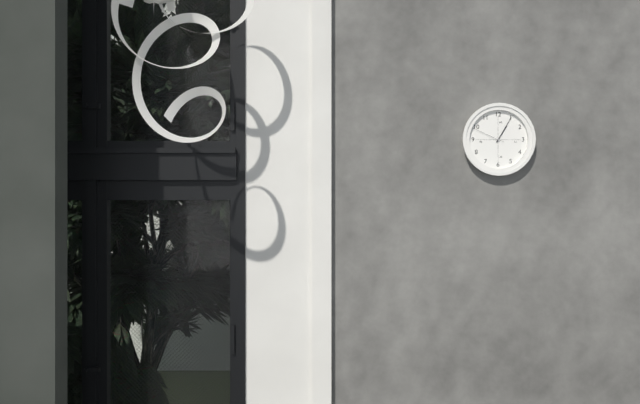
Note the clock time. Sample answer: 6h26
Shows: 1h05
